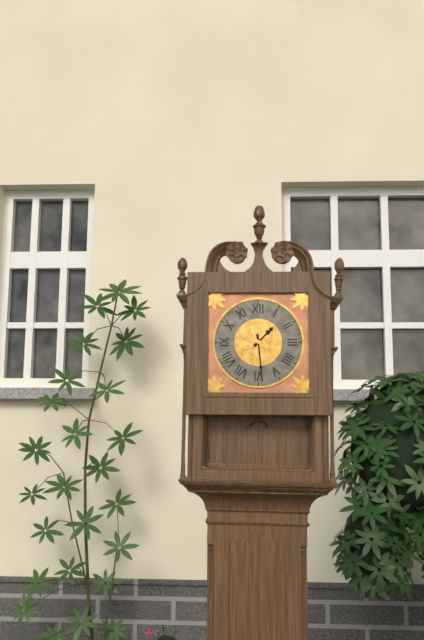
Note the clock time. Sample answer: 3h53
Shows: 1h29
